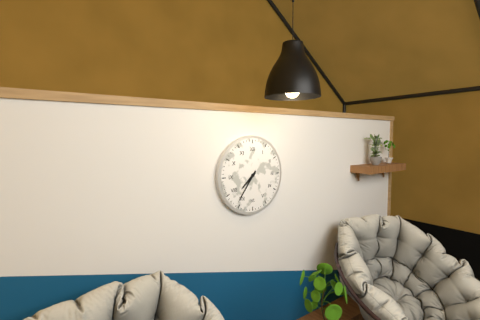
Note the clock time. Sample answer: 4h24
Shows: 7h36
